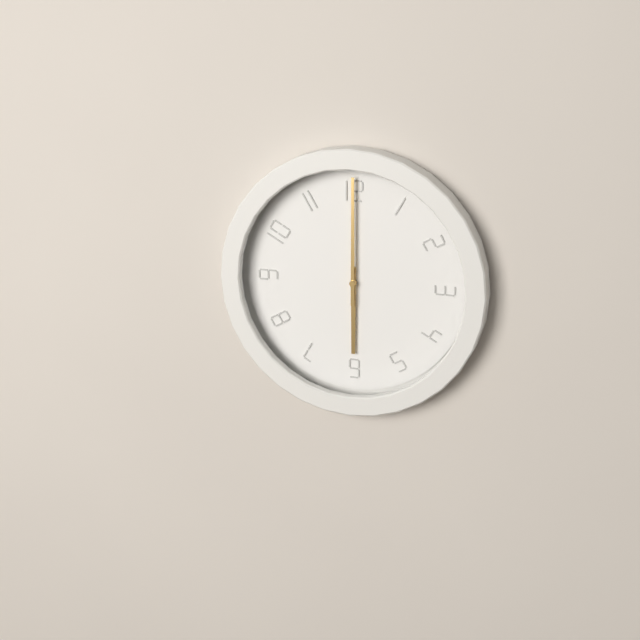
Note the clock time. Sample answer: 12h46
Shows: 6h00
